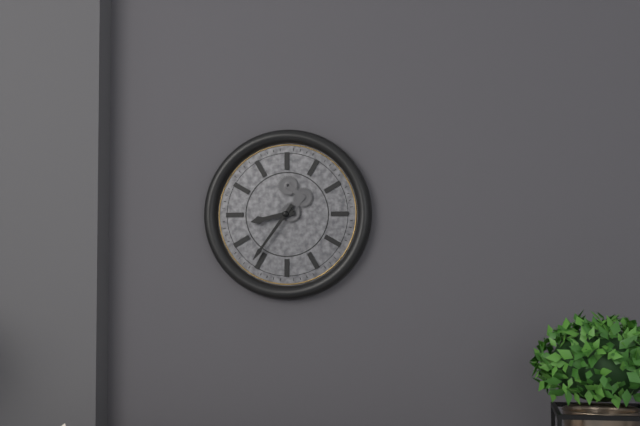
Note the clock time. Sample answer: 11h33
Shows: 8h36
